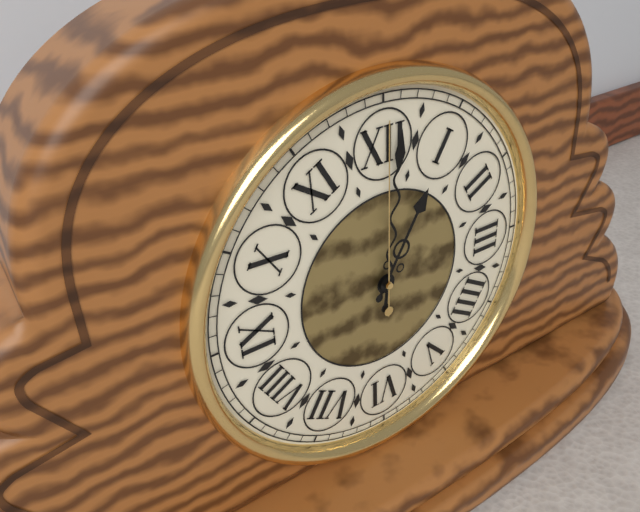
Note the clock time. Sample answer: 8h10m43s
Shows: 1h01m00s
